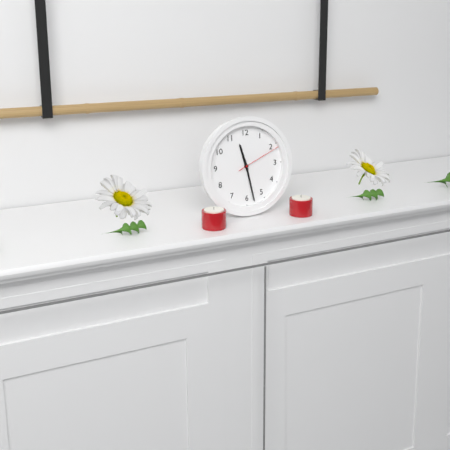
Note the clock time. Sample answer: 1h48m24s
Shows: 11h28m11s
